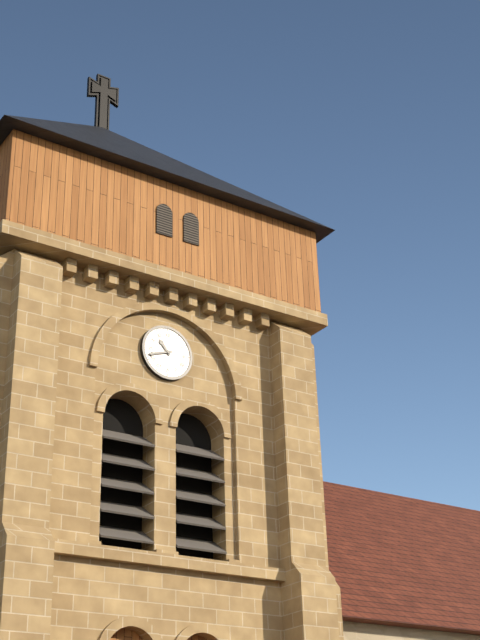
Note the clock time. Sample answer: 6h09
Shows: 10h42
